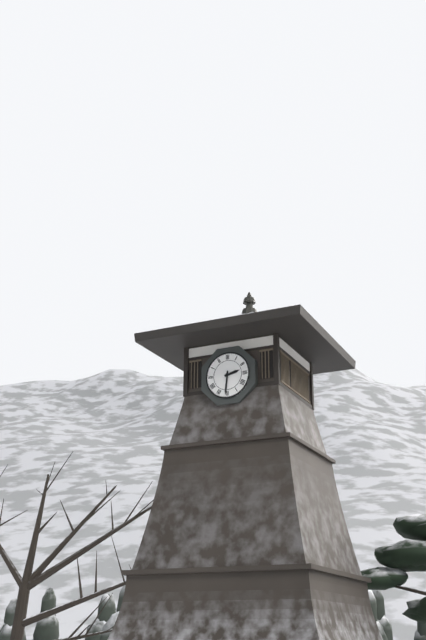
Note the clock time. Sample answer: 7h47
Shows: 2h31
